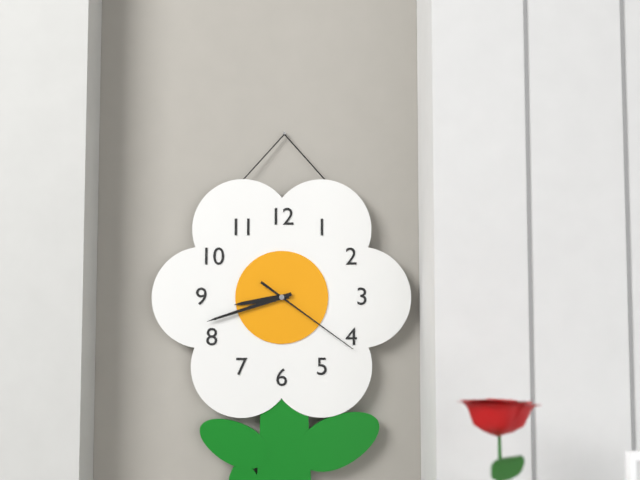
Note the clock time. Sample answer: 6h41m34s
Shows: 8h42m21s
